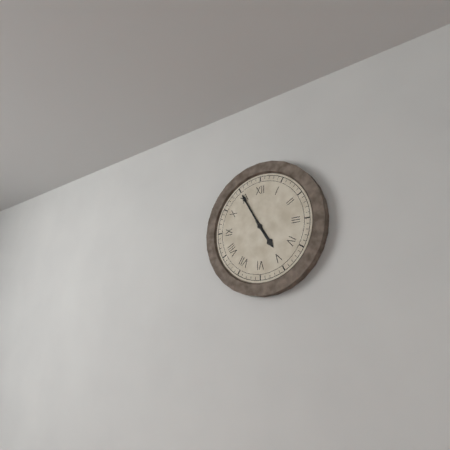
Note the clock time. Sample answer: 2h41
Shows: 4h55
